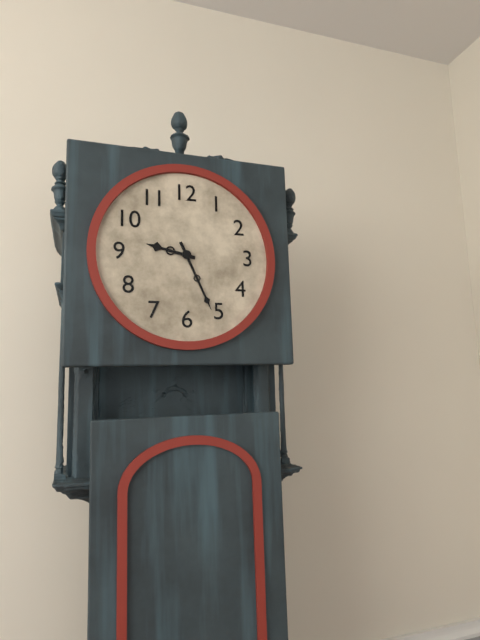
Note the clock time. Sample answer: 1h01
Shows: 9h26
